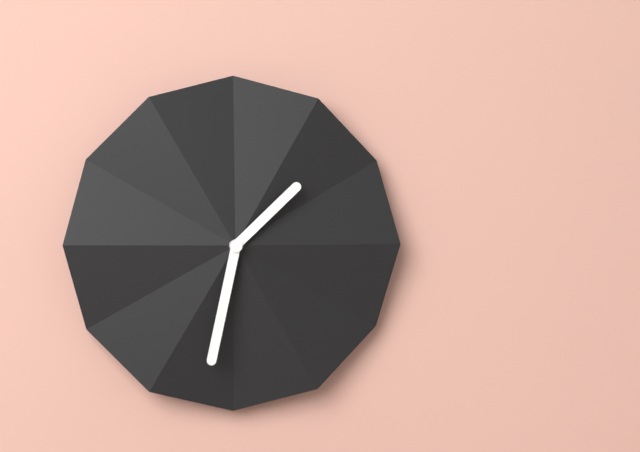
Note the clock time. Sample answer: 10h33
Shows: 1h32
